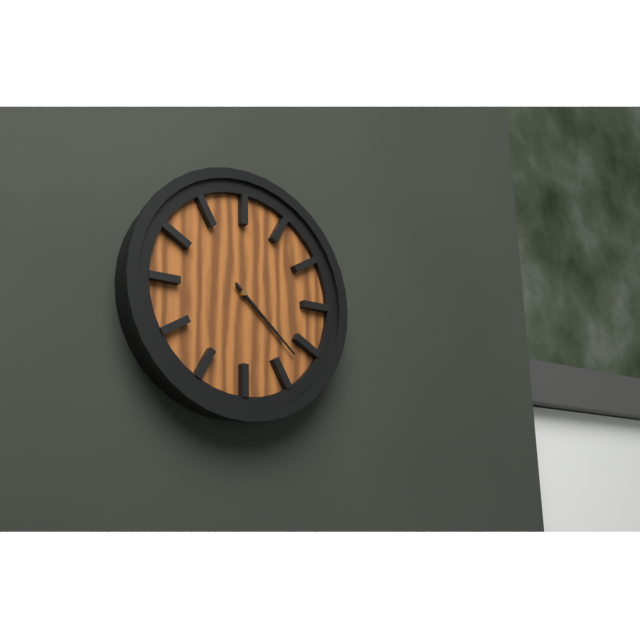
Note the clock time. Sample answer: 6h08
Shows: 4h22
